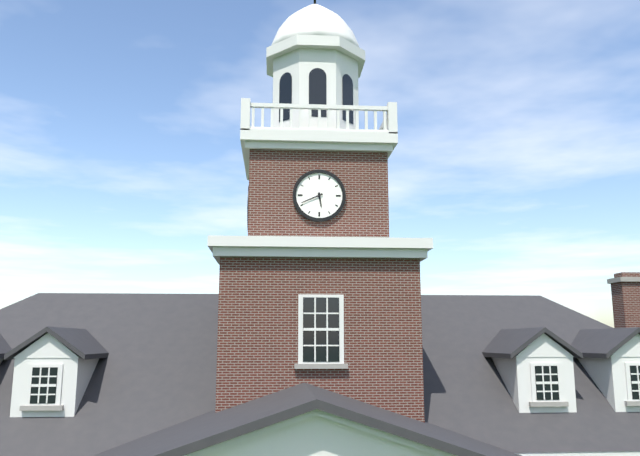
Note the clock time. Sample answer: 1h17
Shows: 5h41
